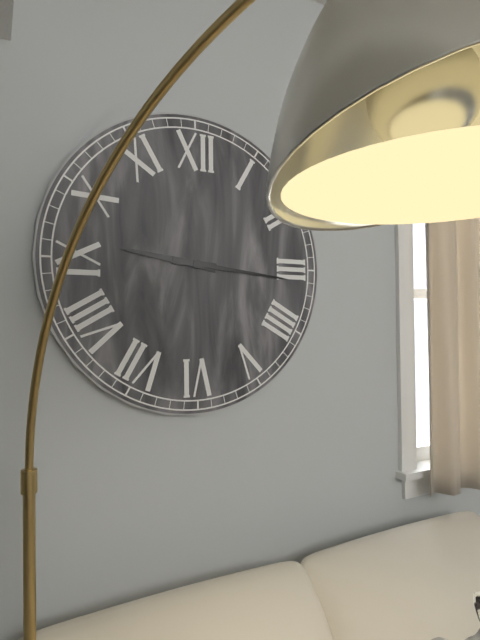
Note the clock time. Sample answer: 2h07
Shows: 9h16
